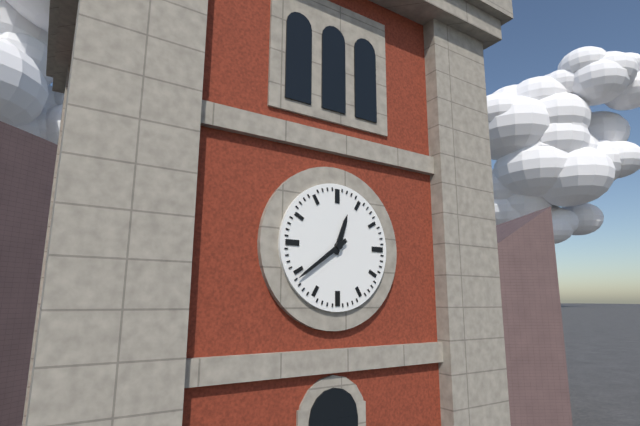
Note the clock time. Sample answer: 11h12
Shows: 12h39
